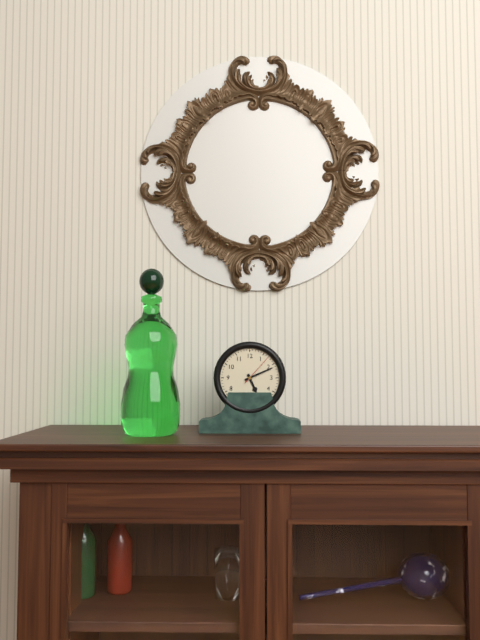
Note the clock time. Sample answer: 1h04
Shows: 5h11
